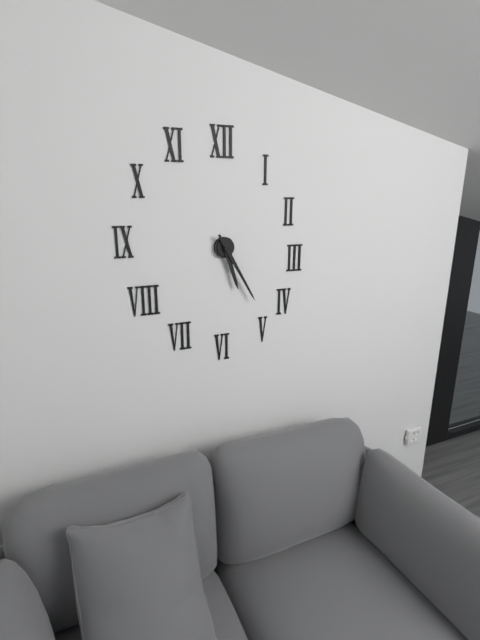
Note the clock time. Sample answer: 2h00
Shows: 5h25
